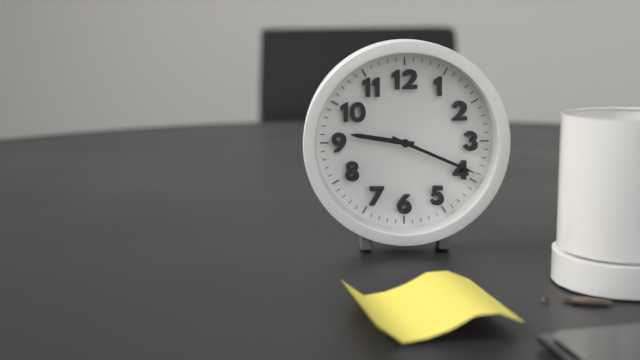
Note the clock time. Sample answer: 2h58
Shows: 9h19
